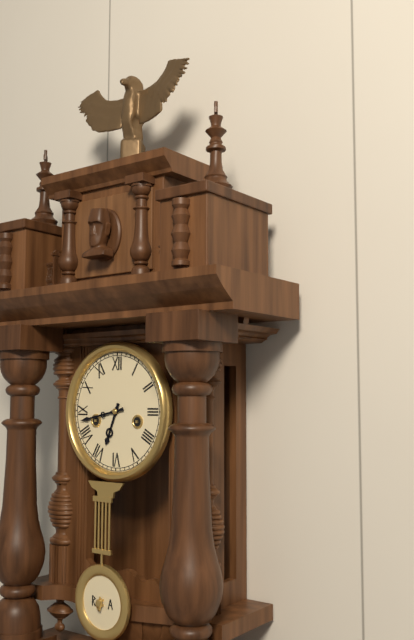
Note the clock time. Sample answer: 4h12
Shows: 6h43
